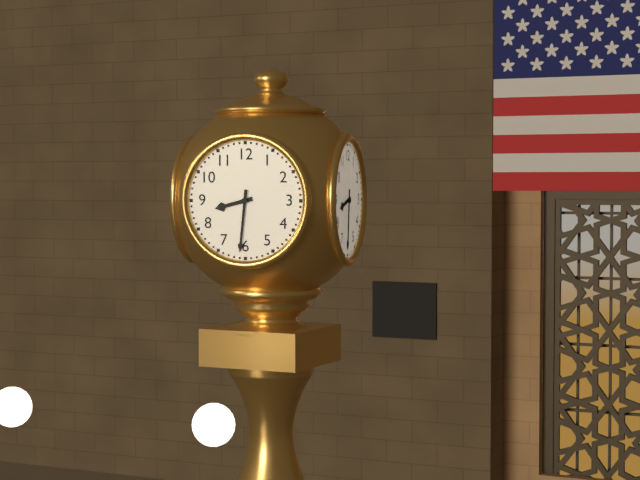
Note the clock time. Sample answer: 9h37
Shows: 8h31
